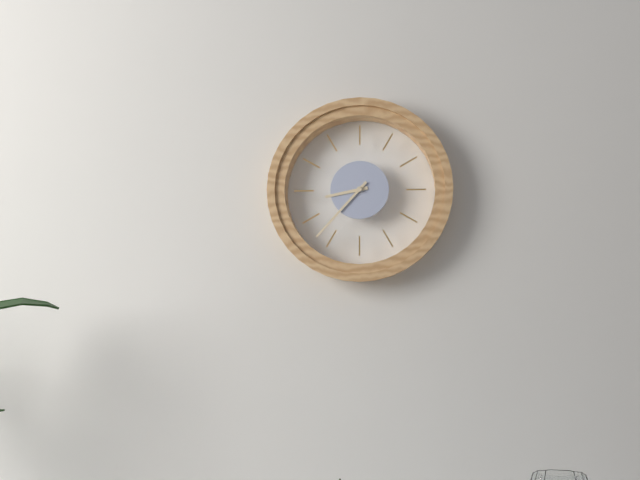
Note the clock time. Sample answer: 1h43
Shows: 8h37
